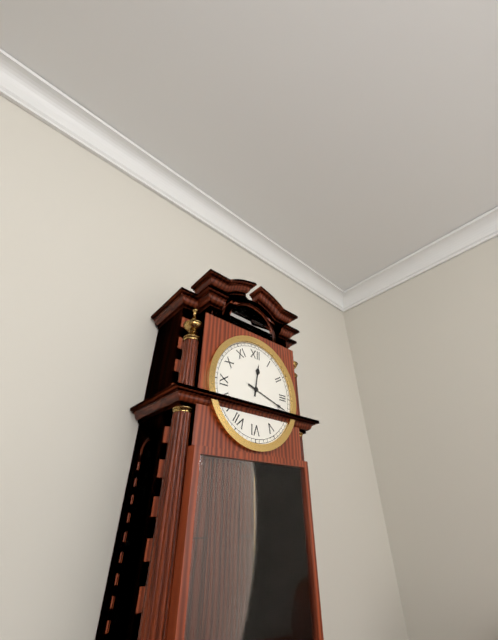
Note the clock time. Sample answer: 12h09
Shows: 12h18
